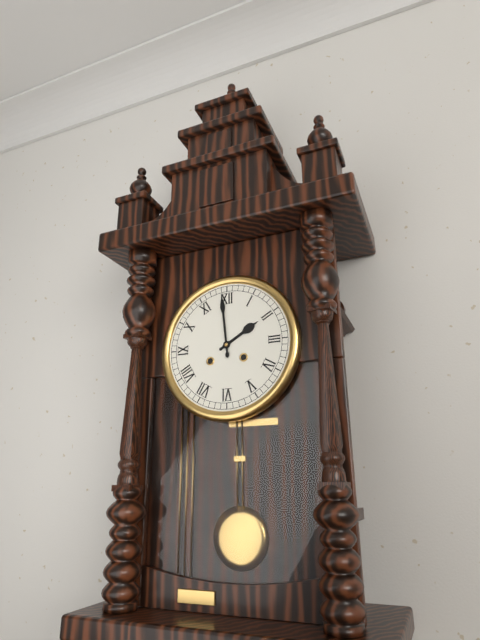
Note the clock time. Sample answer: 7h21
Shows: 1h59
